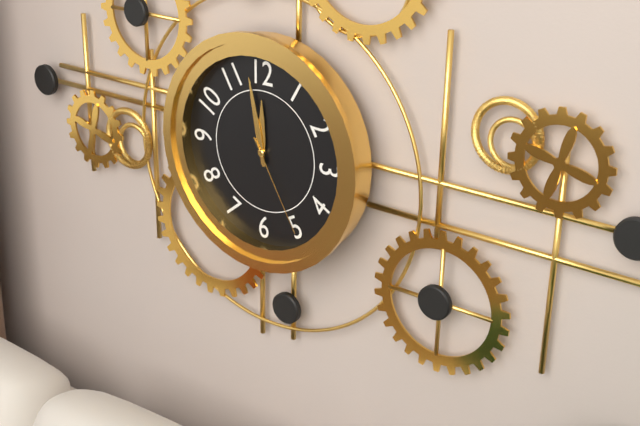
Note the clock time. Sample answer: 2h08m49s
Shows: 11h58m25s
